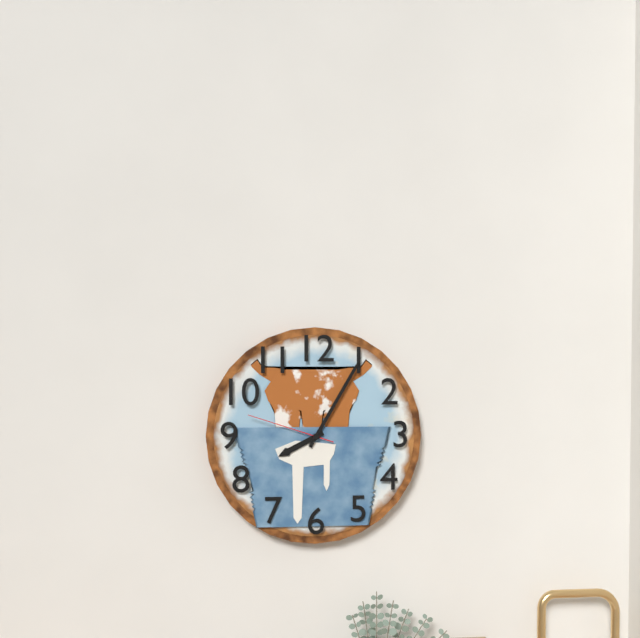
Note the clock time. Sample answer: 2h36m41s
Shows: 8h05m48s
